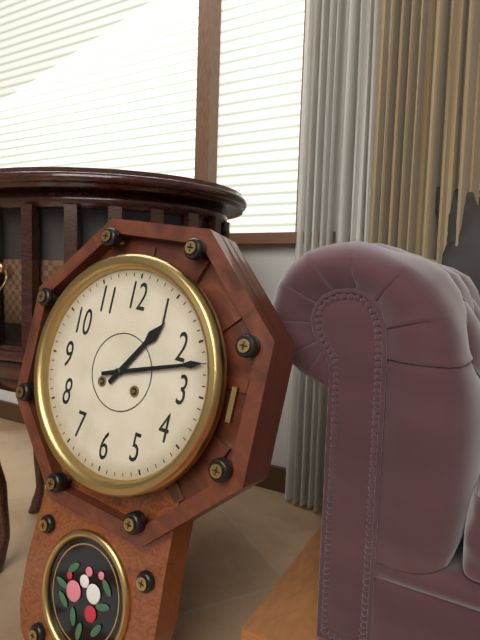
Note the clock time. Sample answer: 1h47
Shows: 1h12
